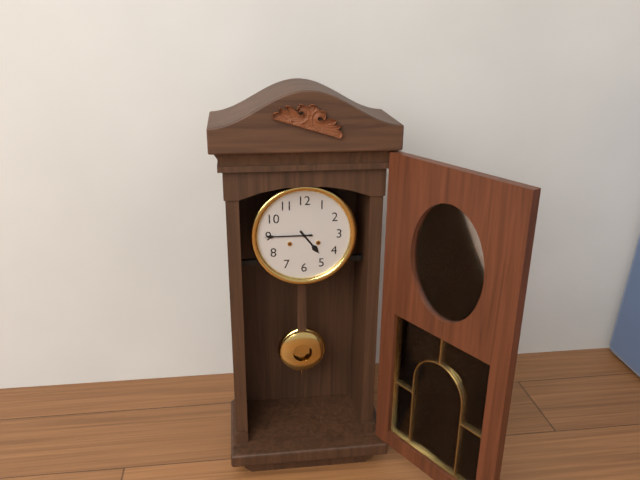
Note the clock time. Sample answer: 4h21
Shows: 4h45
